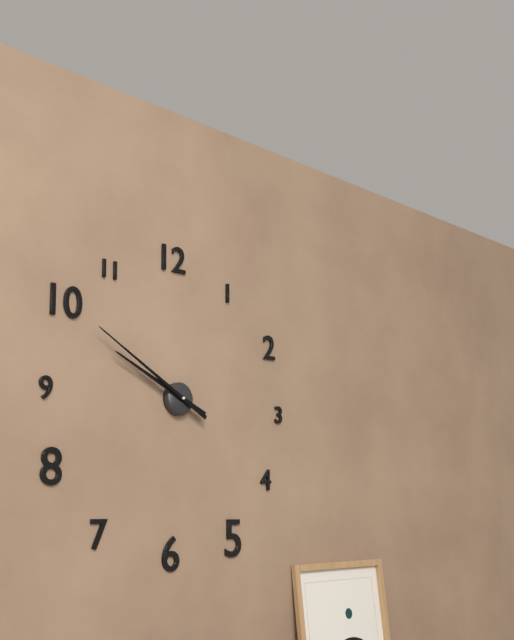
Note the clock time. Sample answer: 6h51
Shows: 9h50
